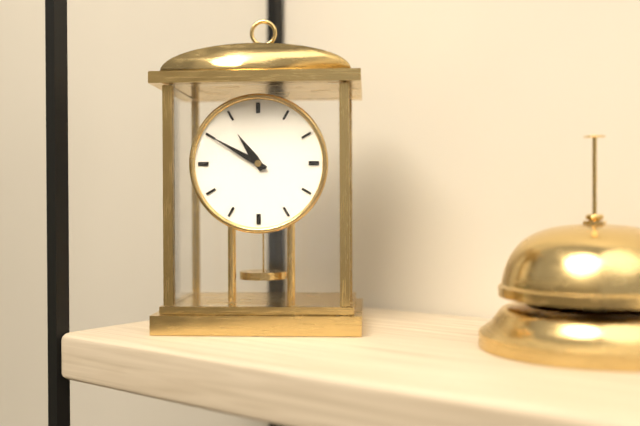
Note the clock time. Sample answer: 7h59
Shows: 10h50
